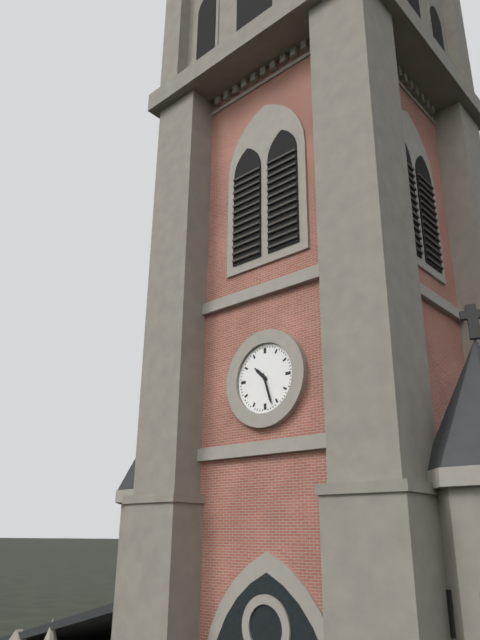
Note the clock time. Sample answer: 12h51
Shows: 10h27
